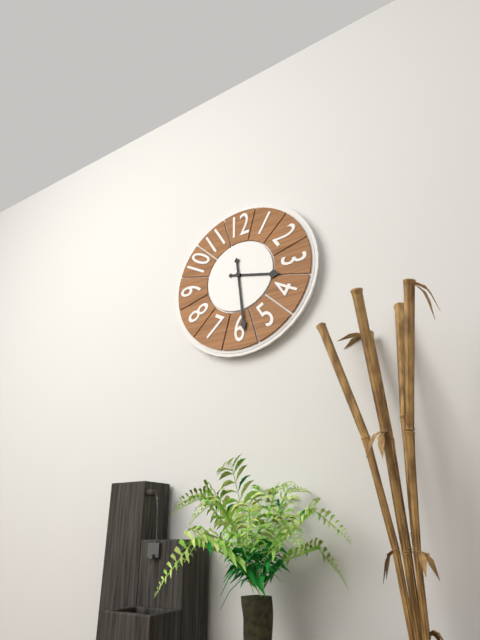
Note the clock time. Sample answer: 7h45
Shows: 3h29
